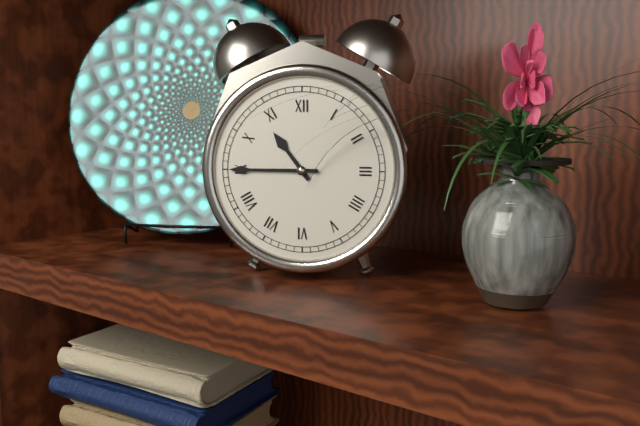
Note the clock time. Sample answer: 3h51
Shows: 10h45
